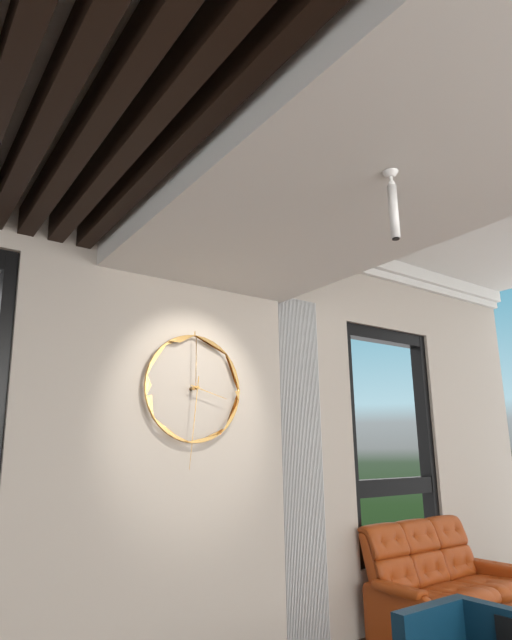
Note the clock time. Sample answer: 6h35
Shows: 3h31
